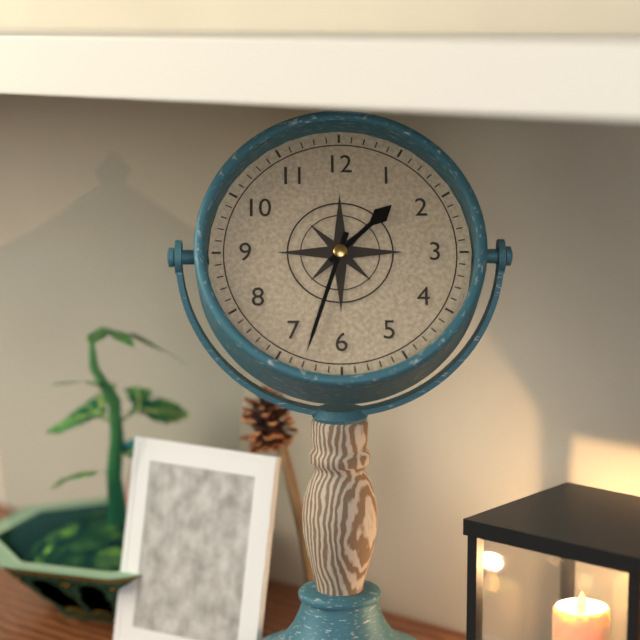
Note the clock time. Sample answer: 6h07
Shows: 1h33
